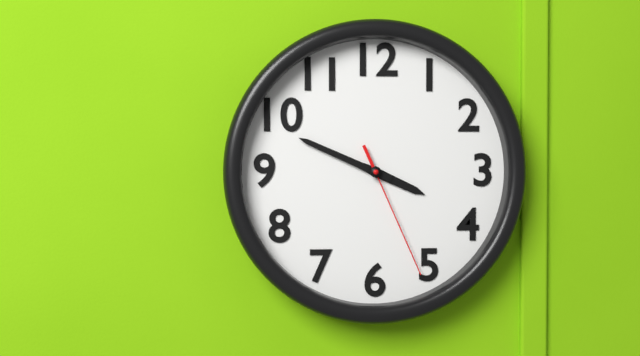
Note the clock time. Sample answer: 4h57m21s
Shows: 3h49m26s
